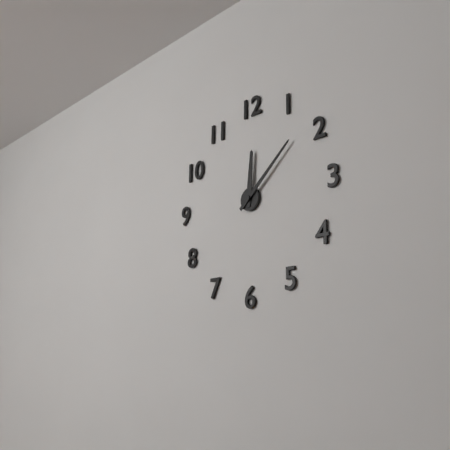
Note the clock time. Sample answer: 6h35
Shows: 12h08
